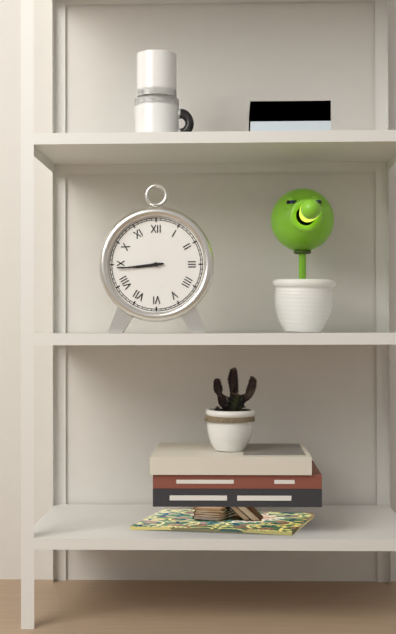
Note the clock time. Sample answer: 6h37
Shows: 8h44
